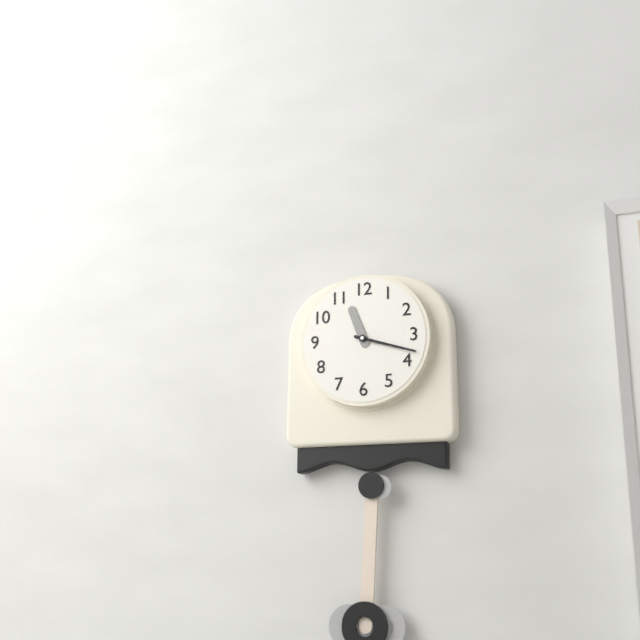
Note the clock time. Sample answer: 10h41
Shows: 11h18
